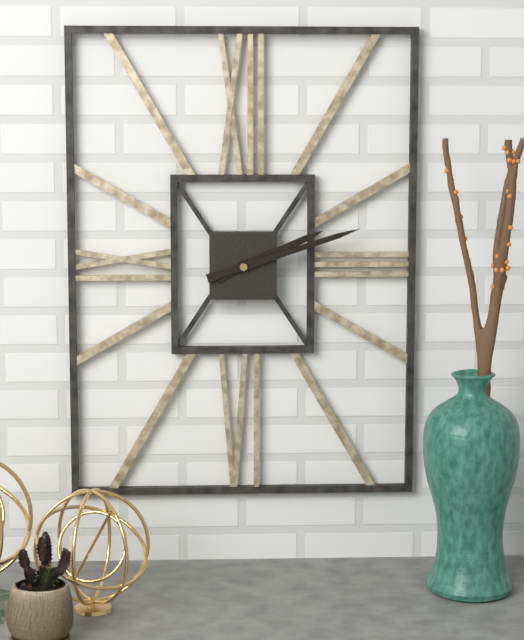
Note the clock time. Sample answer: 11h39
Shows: 2h12
